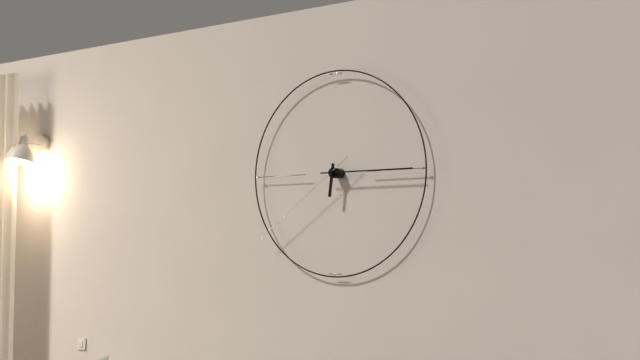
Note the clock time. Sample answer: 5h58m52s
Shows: 6h15m39s
